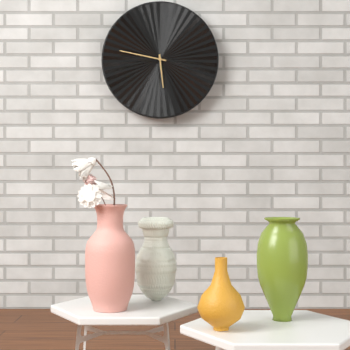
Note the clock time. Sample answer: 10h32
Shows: 5h47
